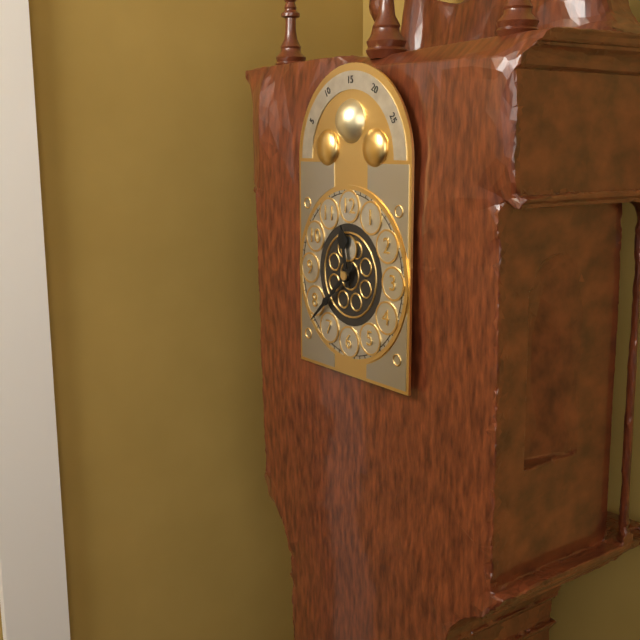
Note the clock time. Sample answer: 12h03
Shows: 11h38
